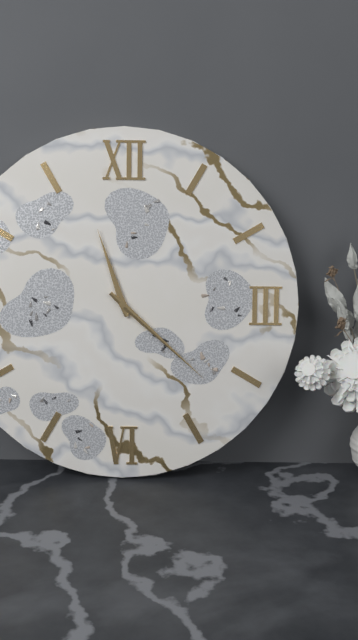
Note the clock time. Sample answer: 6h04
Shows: 11h22
